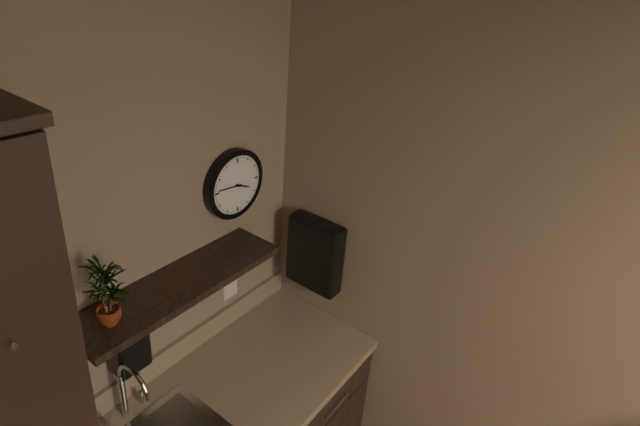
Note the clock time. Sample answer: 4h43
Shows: 3h46
